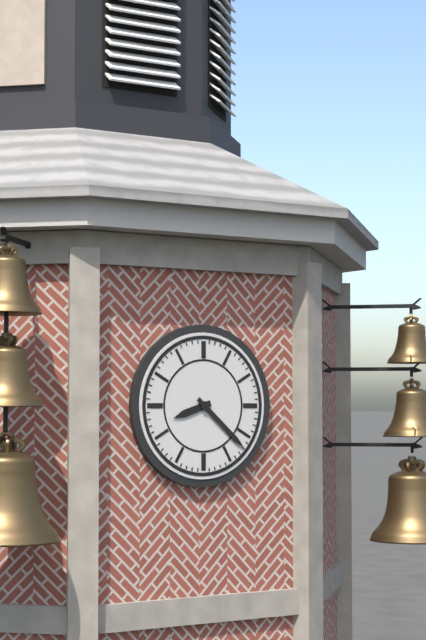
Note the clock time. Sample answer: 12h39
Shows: 8h22
